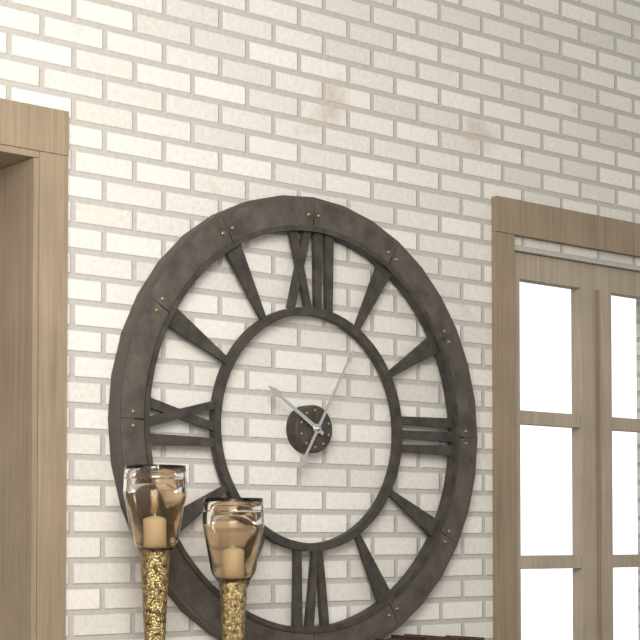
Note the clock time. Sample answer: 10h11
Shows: 10h05
